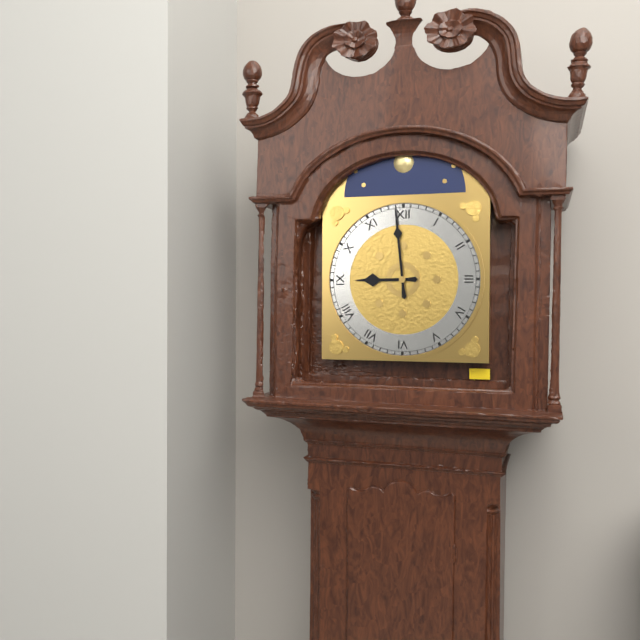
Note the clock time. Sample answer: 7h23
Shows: 8h59
